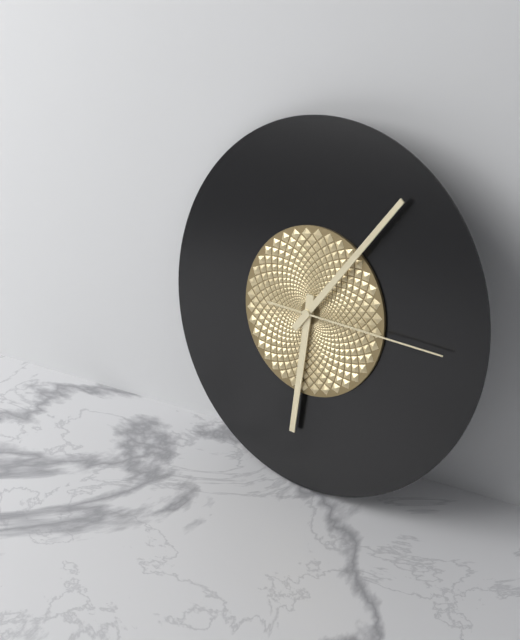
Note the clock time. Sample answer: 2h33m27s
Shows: 6h06m15s
